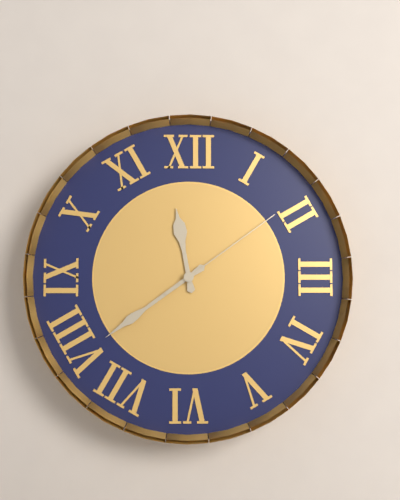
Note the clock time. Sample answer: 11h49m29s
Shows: 11h39m09s
